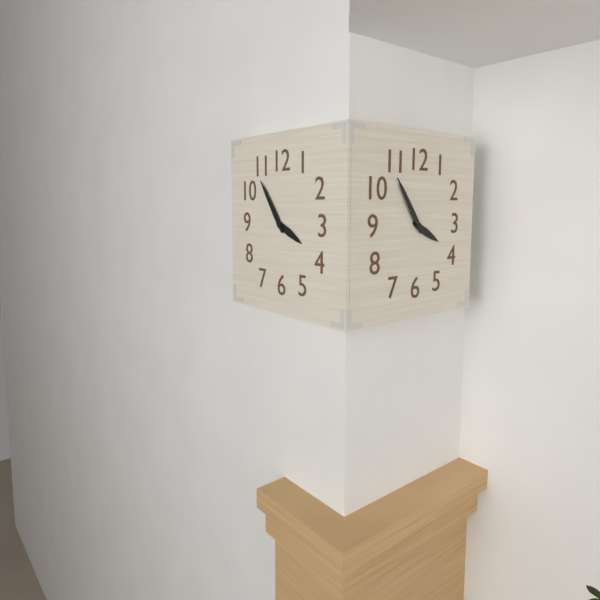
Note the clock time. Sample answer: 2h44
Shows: 3h54
